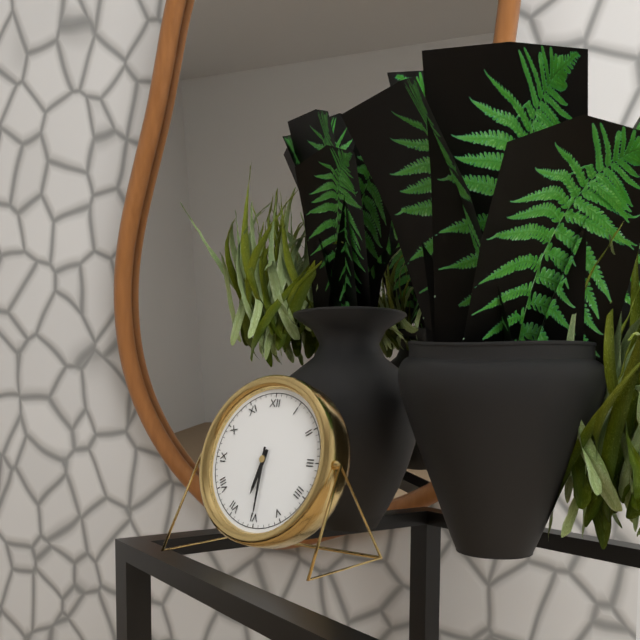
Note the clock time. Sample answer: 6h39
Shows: 6h30
